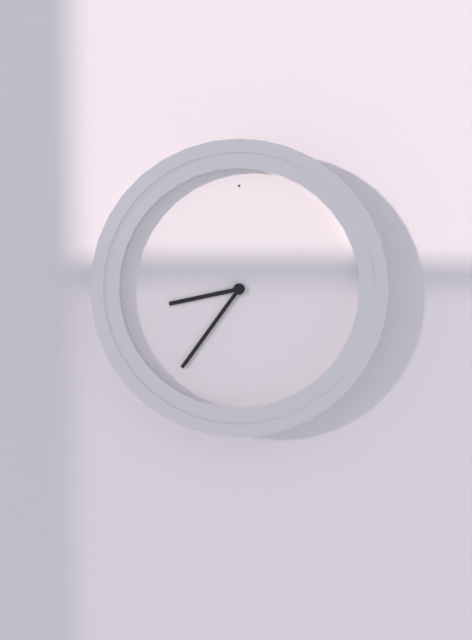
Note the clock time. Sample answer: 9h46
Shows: 8h36
